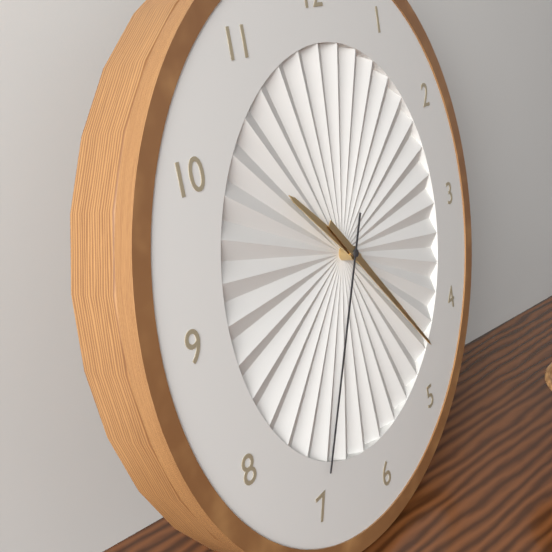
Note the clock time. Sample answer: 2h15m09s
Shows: 10h23m35s
